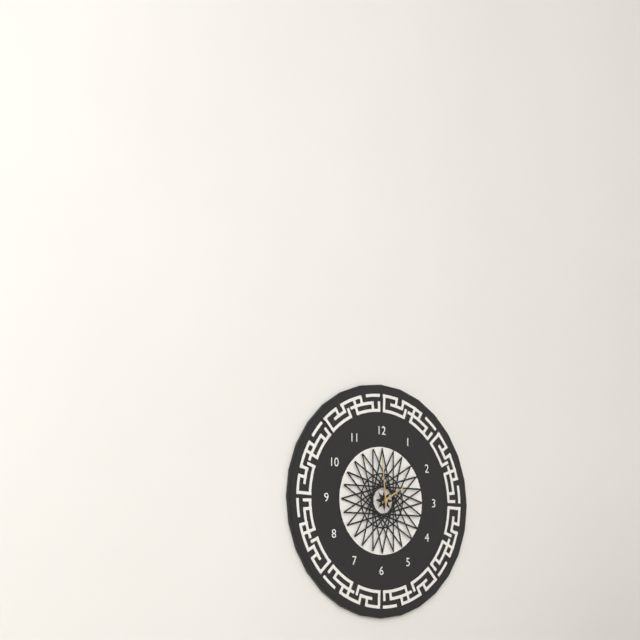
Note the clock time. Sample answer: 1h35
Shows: 1h59
